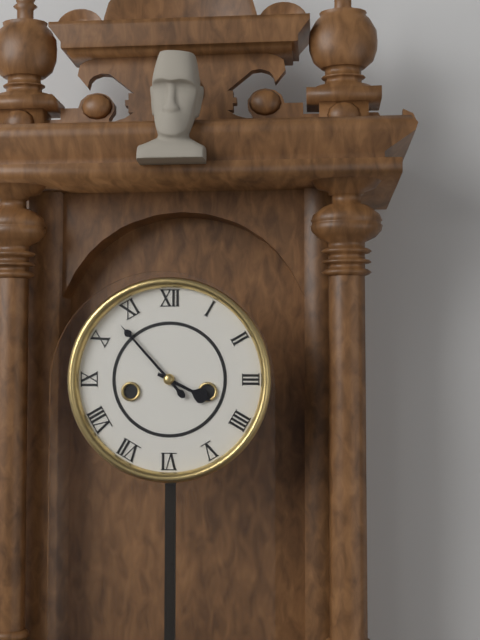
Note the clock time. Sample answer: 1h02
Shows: 3h53
